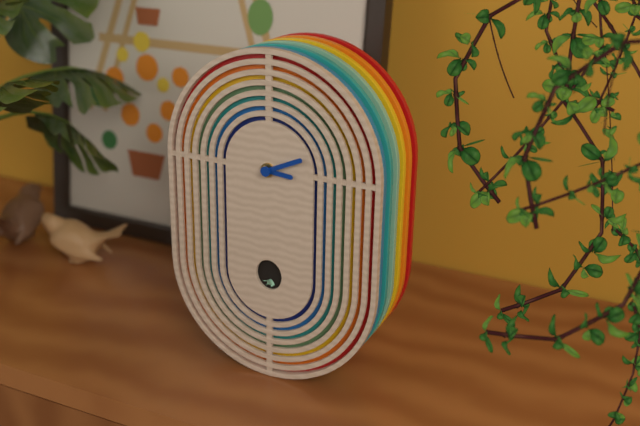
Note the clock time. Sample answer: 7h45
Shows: 3h11
